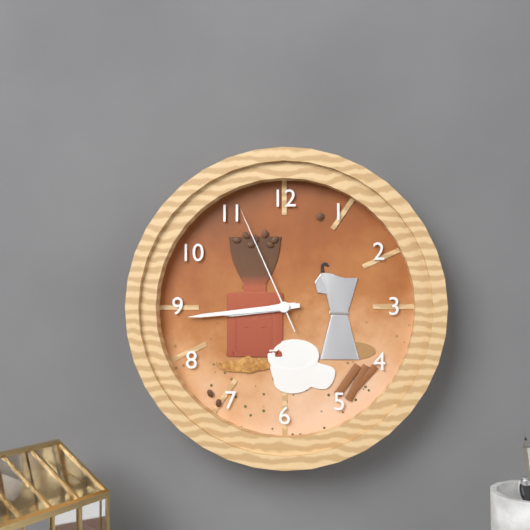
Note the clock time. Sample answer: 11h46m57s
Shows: 8h44m56s
